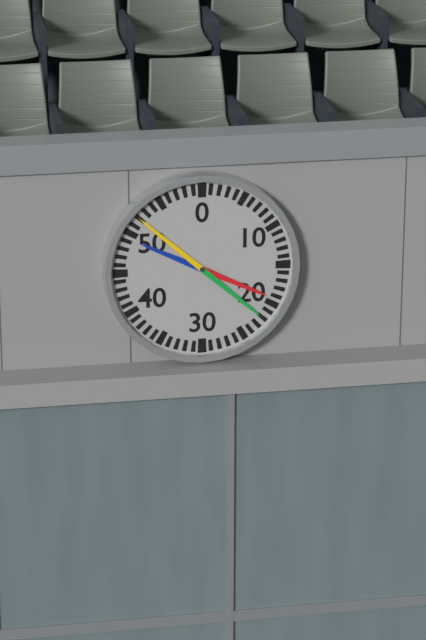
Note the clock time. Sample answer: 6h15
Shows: 3h52
